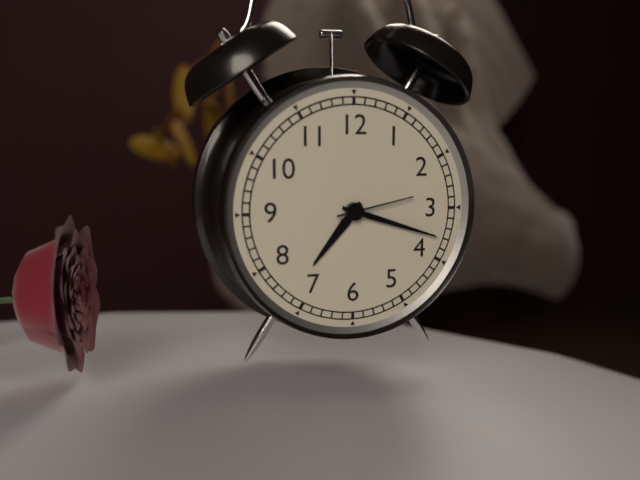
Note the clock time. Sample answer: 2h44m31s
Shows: 7h18m13s
